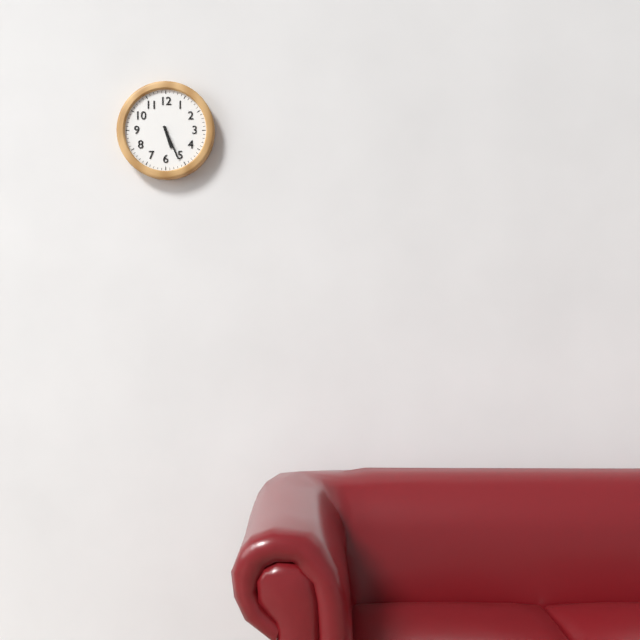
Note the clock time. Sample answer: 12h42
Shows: 5h26
